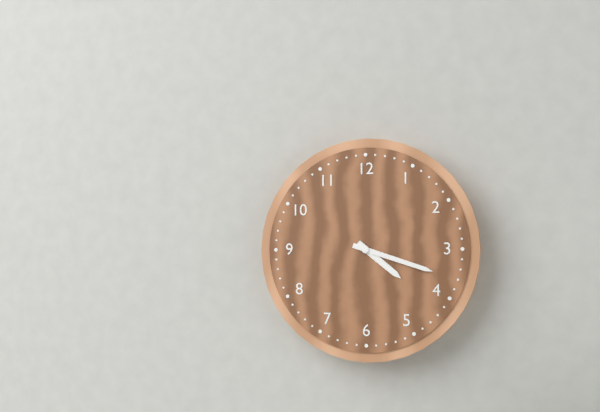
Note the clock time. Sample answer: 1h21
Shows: 4h18
